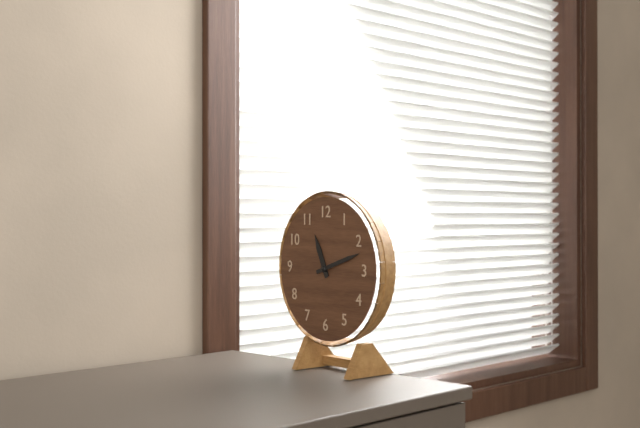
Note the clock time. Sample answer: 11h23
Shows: 11h12
